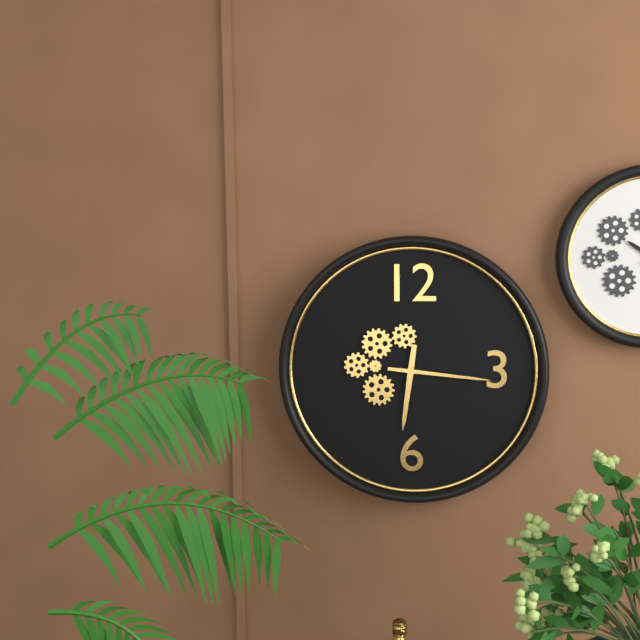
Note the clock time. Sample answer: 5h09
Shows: 6h16
